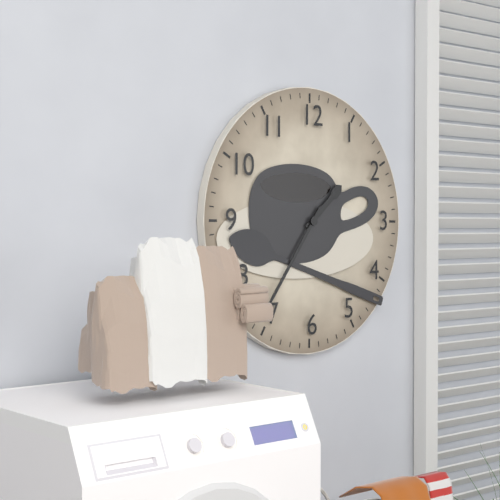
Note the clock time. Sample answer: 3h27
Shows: 1h36
